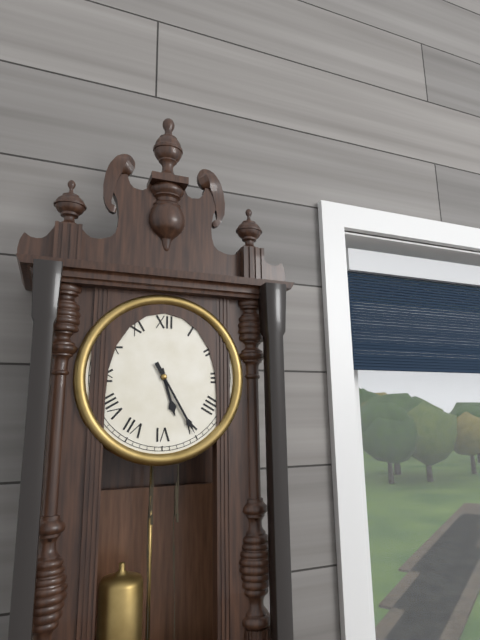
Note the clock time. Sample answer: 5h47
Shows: 5h25
